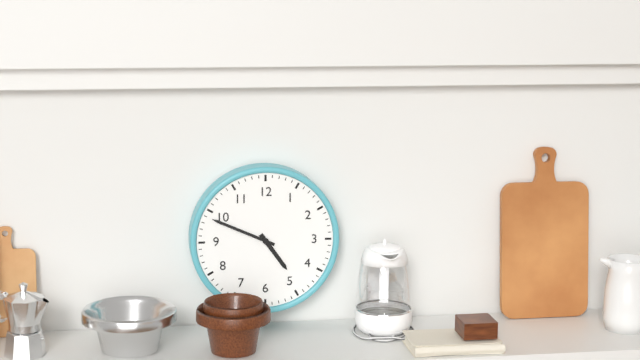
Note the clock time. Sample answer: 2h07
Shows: 4h49
